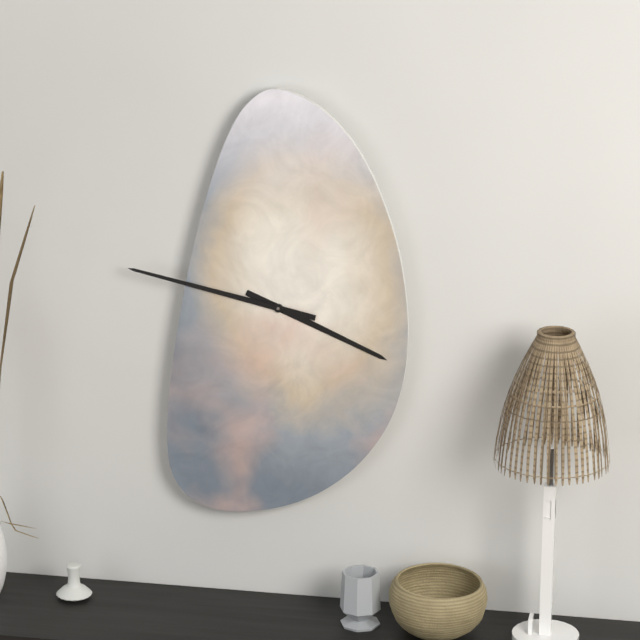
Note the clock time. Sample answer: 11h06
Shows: 3h47
